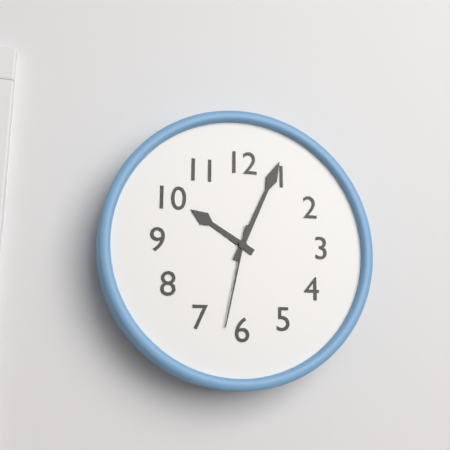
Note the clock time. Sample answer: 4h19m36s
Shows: 10h04m32s
